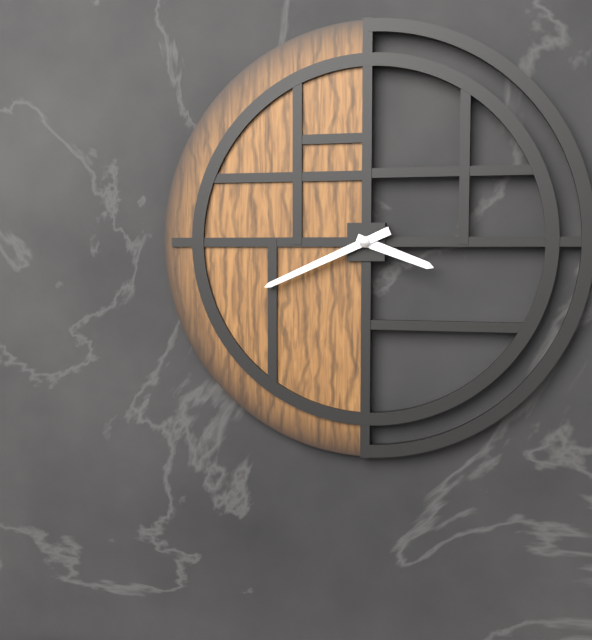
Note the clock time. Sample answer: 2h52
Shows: 3h41
